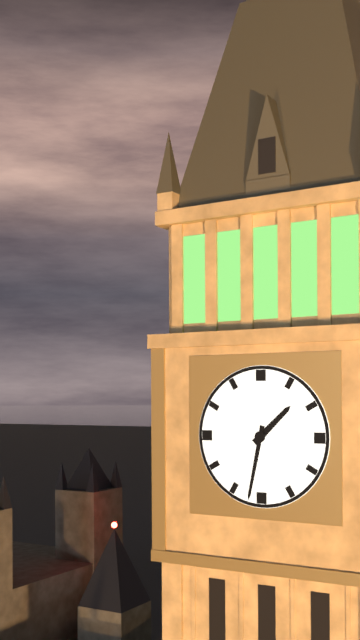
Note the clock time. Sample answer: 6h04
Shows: 1h32
